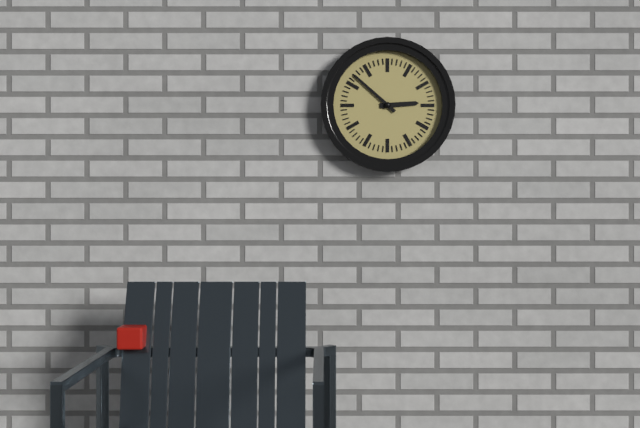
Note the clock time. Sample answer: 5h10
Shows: 2h52
